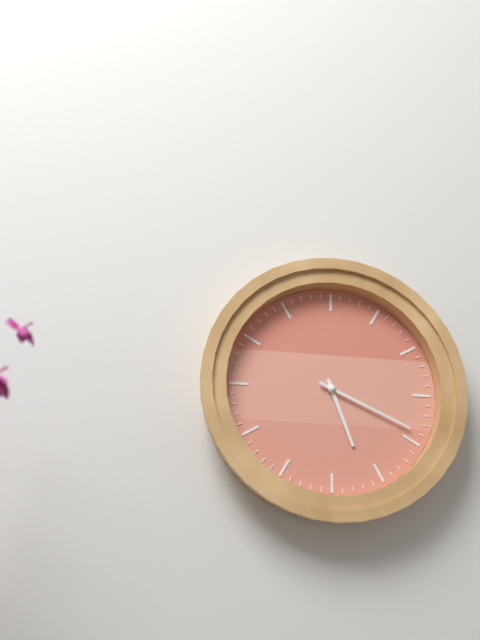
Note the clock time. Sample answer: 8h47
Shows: 5h19
